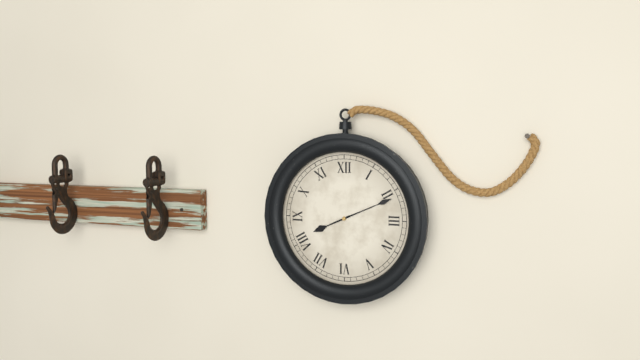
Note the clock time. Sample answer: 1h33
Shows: 8h11
